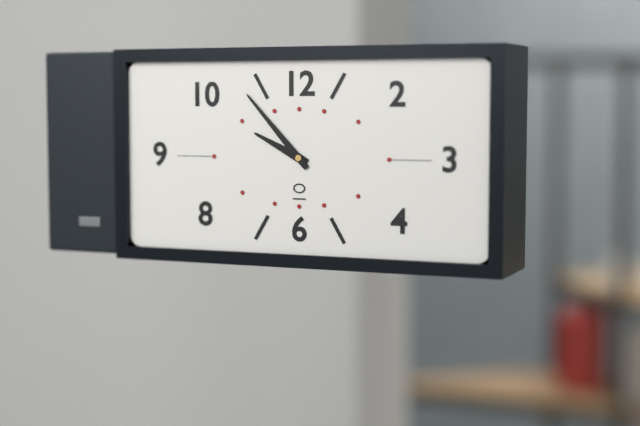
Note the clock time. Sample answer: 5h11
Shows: 9h53
